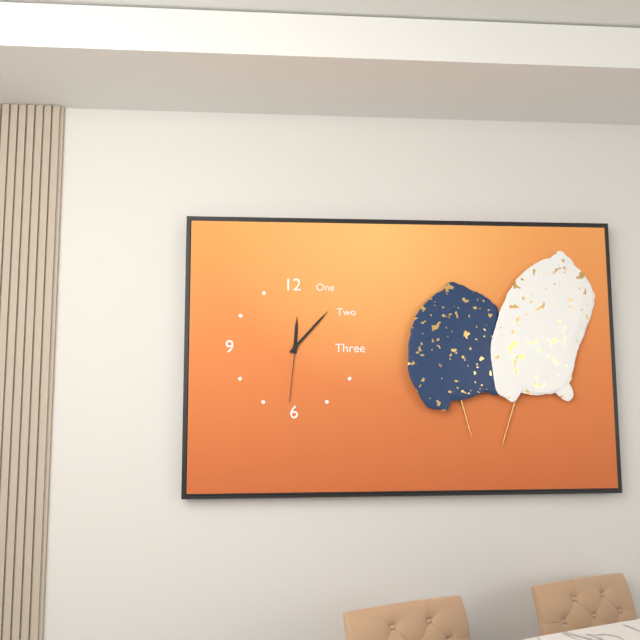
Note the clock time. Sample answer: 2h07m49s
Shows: 12h07m31s
